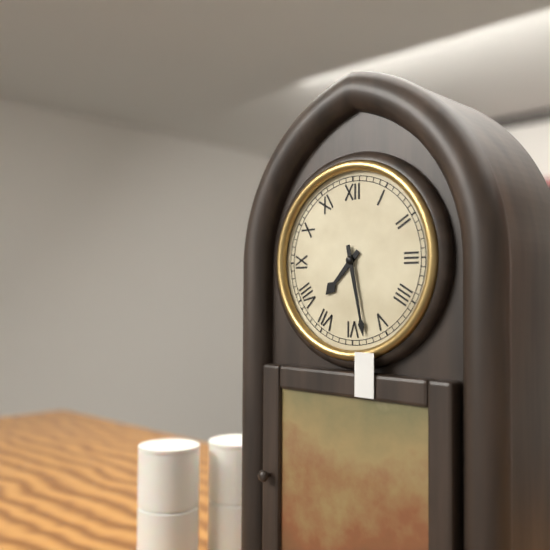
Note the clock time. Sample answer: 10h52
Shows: 7h28
